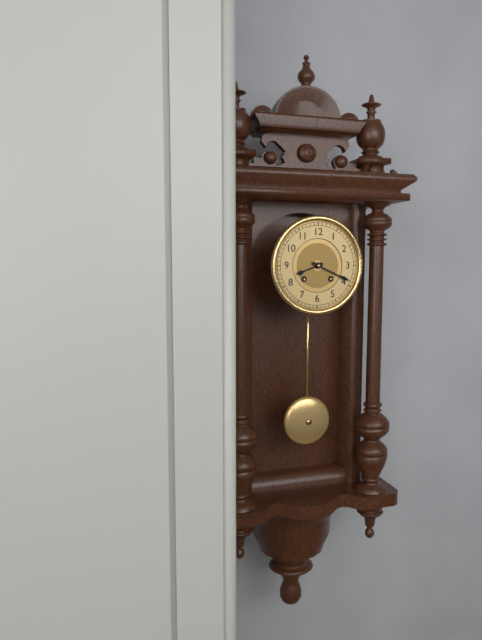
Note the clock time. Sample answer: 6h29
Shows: 8h19
